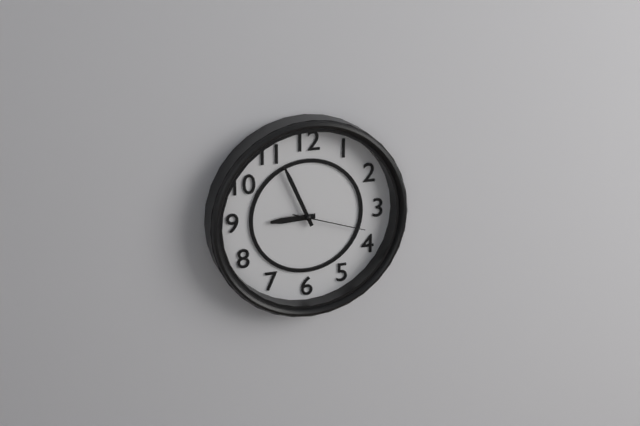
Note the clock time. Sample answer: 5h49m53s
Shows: 8h56m18s
